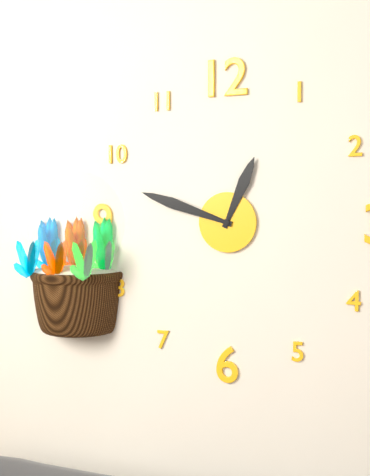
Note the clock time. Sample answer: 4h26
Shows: 12h48
